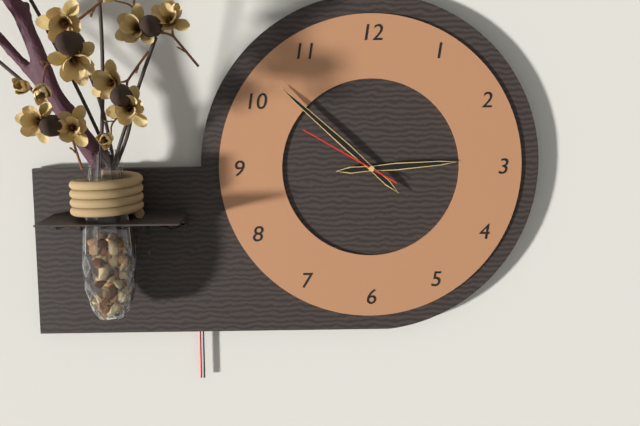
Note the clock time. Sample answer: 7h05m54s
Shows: 2h52m50s
